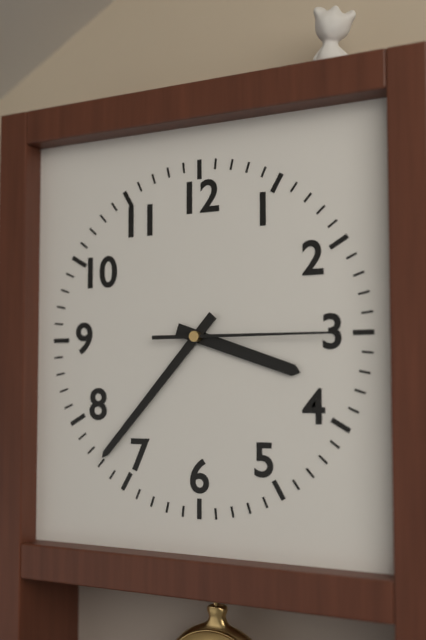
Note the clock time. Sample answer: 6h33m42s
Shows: 3h37m15s
